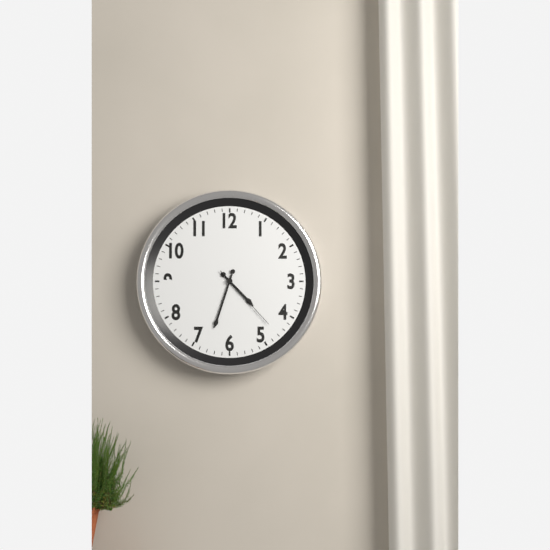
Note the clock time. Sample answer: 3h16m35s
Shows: 4h33m23s
